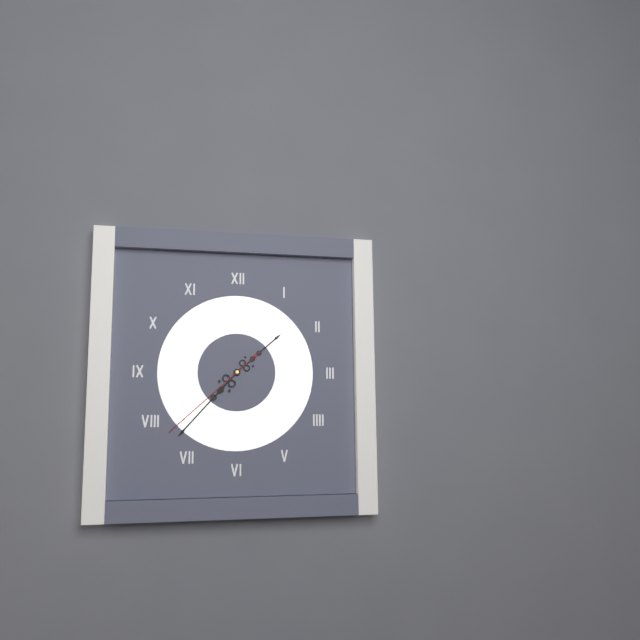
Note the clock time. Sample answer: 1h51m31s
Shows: 1h37m38s
